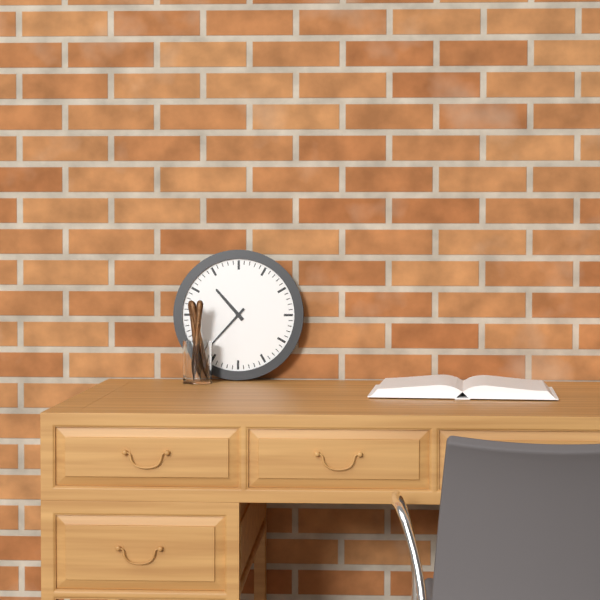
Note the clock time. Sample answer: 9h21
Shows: 10h37
